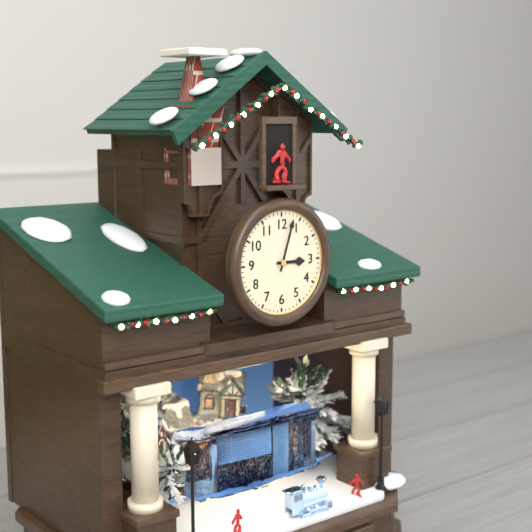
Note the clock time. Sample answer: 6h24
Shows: 3h03
